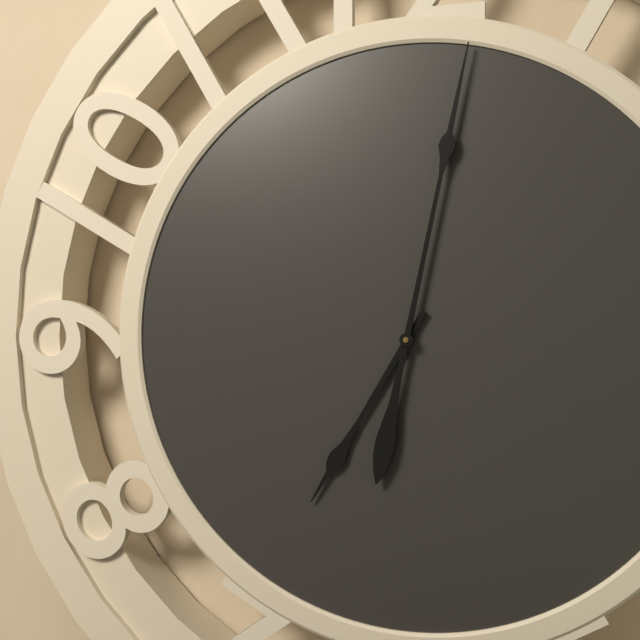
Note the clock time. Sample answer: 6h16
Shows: 7h02
